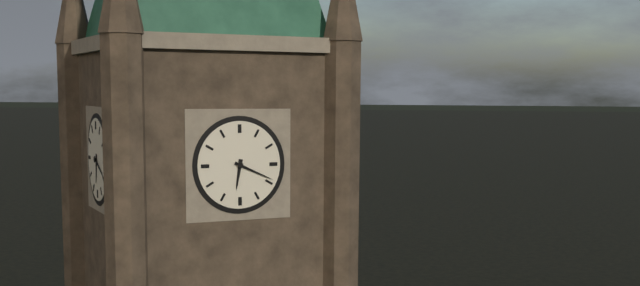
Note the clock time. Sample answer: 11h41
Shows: 6h19
